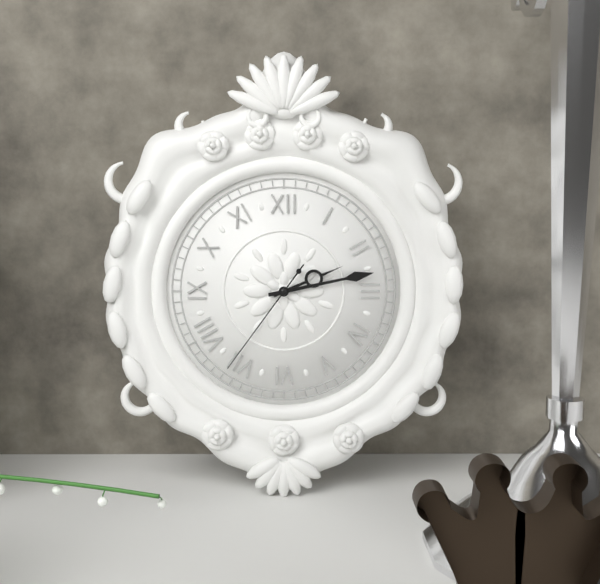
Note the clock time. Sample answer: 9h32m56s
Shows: 2h13m36s
